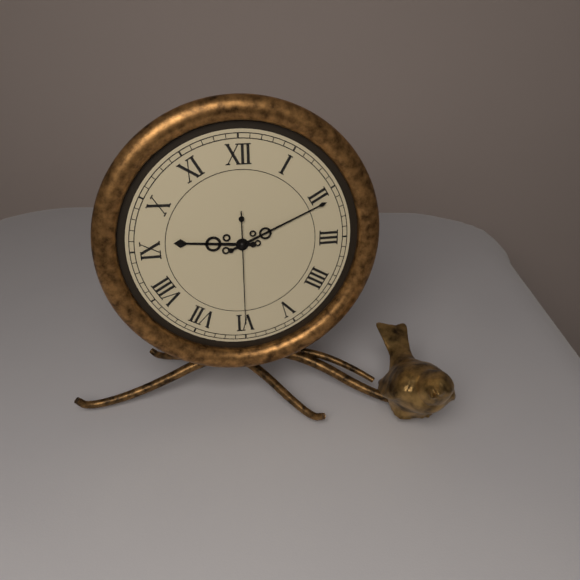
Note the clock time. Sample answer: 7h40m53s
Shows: 9h11m30s
